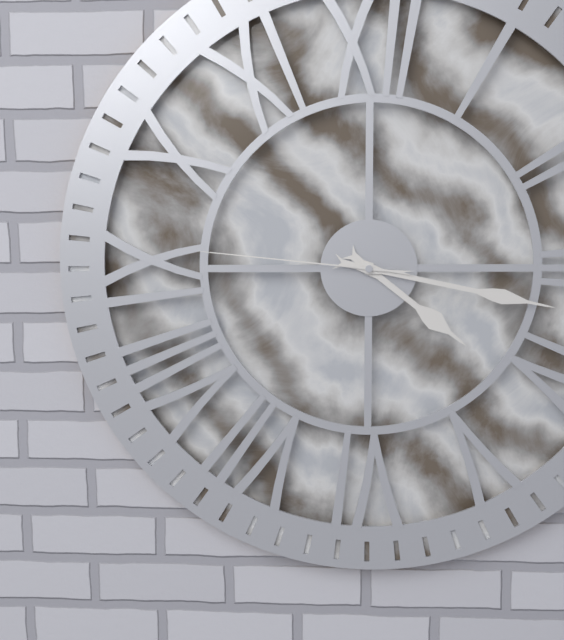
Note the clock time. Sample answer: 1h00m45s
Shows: 4h17m46s
